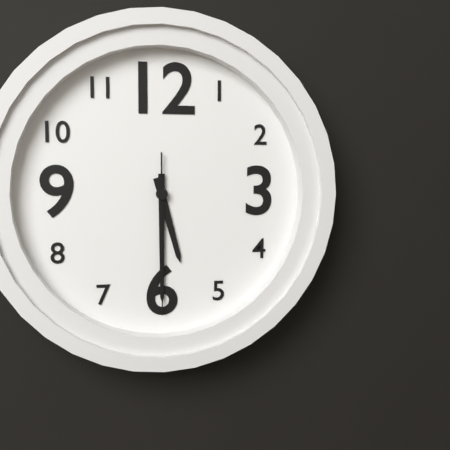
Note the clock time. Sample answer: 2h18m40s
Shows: 5h30m30s
